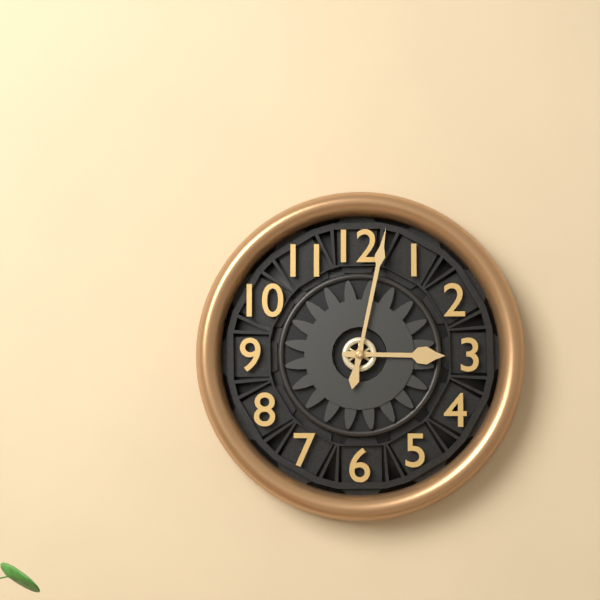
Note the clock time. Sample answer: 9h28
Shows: 3h02
